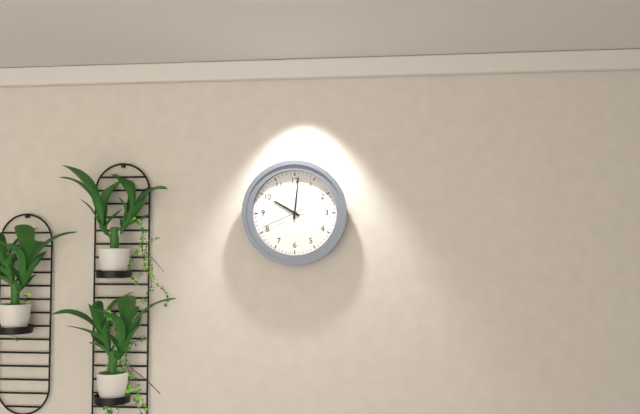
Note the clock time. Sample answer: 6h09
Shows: 10h01
